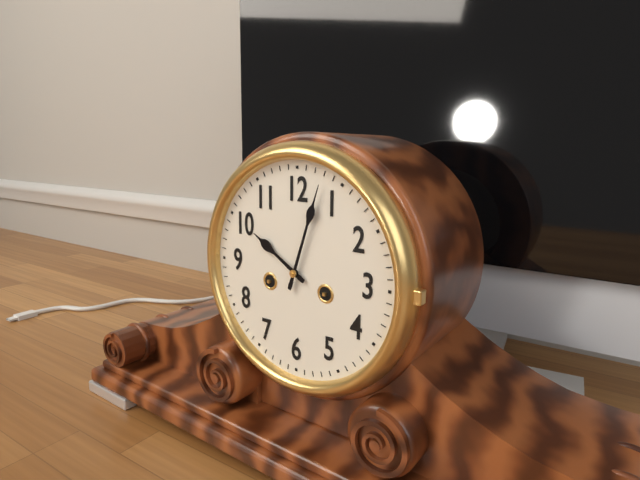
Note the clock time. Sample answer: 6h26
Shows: 10h03
